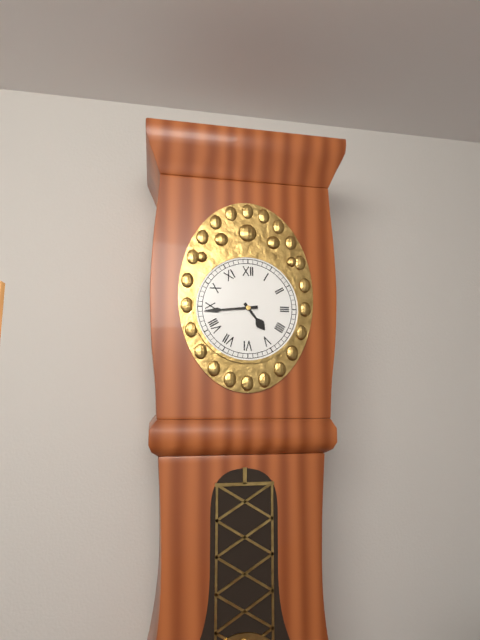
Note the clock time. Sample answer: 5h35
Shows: 4h44
